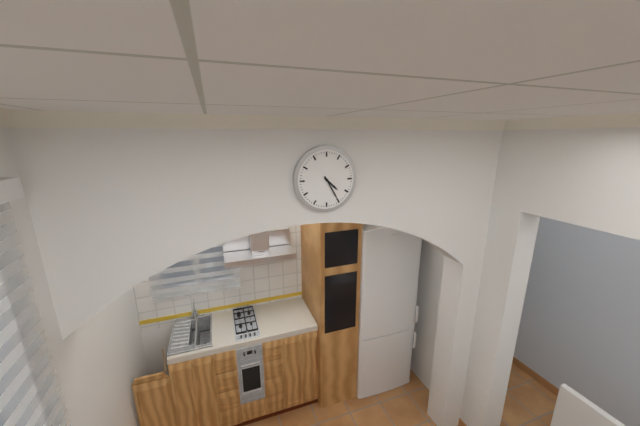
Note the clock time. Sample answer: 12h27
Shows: 4h25
